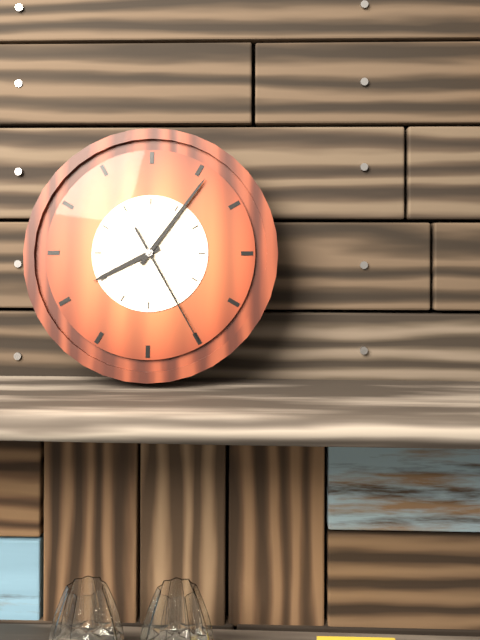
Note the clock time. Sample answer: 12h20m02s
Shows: 8h06m25s
